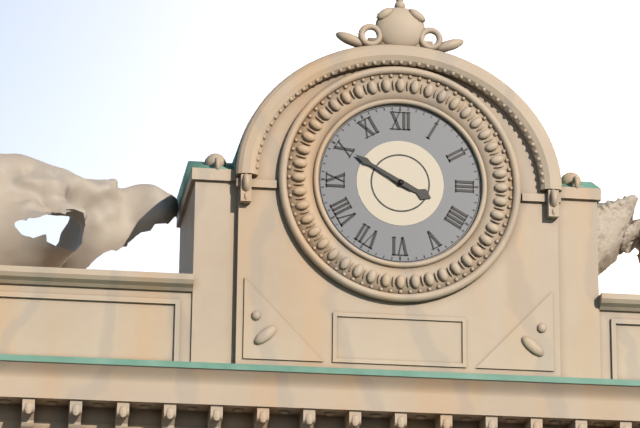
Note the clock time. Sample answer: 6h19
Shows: 3h50
